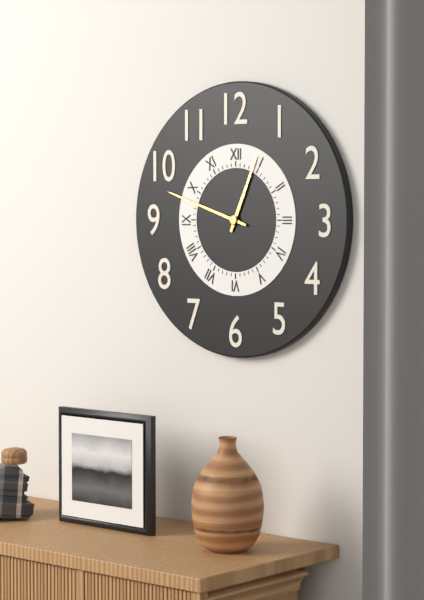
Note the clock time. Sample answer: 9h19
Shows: 12h48
